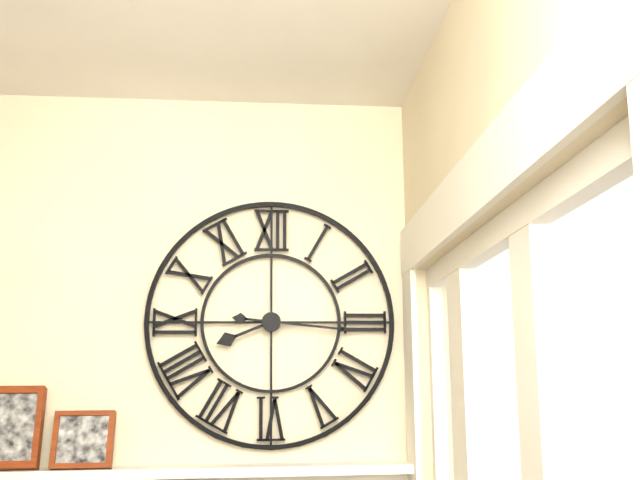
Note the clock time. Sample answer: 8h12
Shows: 8h16
